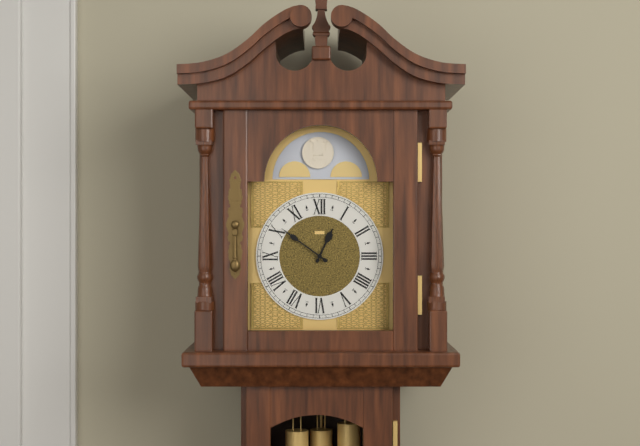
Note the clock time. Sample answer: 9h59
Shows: 12h51
